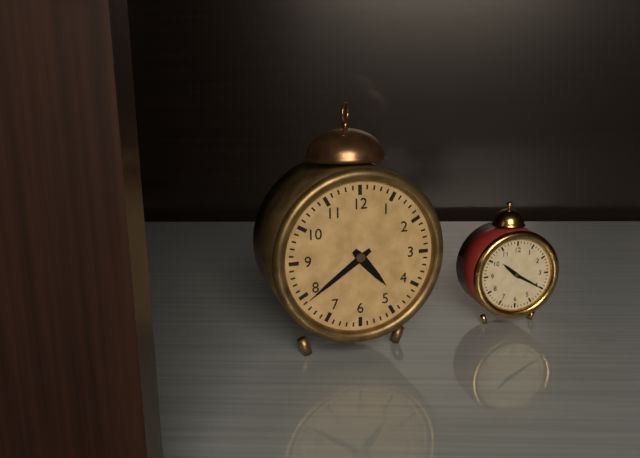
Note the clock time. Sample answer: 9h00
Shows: 4h39
